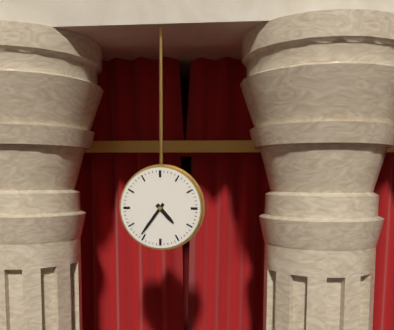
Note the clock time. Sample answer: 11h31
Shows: 4h36
